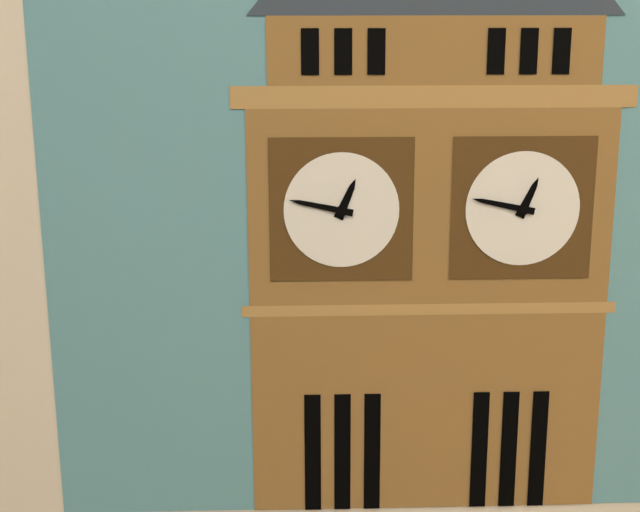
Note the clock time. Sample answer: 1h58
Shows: 12h47
